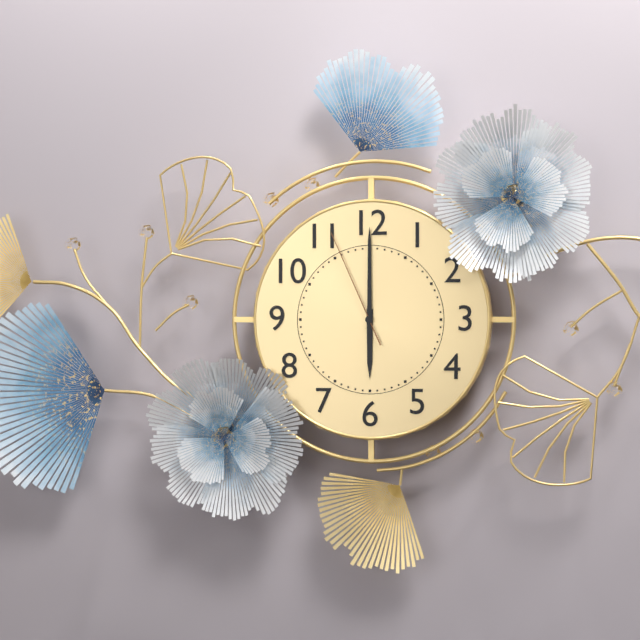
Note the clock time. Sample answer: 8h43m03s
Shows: 6h00m56s
